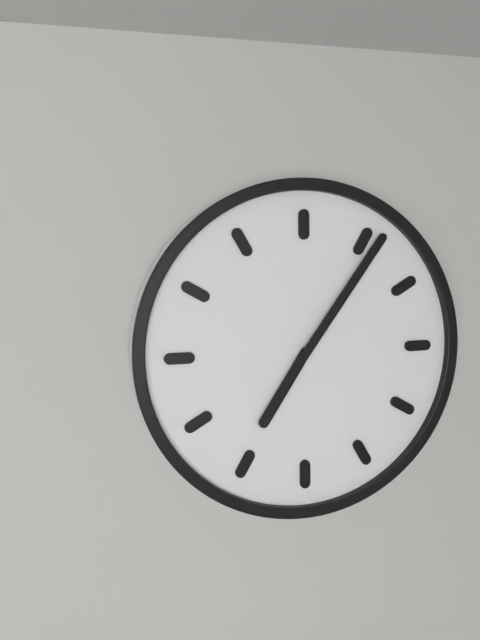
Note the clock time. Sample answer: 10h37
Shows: 7h06
